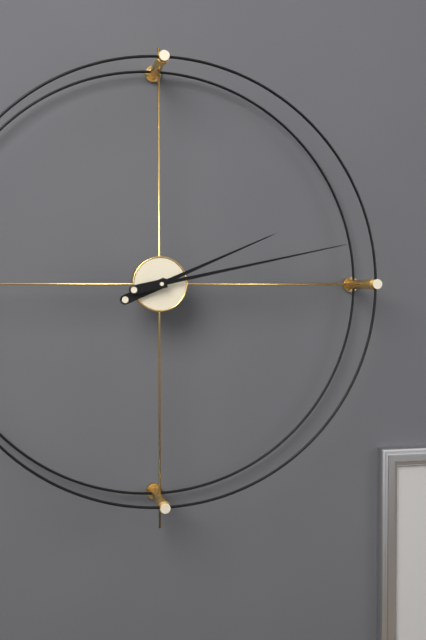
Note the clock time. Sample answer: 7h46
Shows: 2h13
